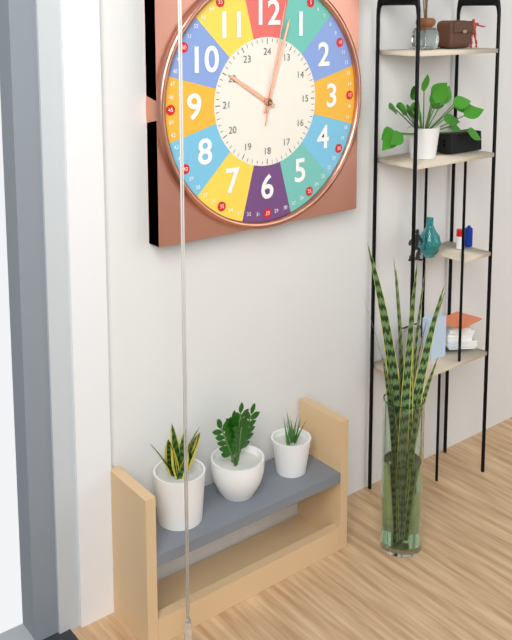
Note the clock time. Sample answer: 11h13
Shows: 10h03
